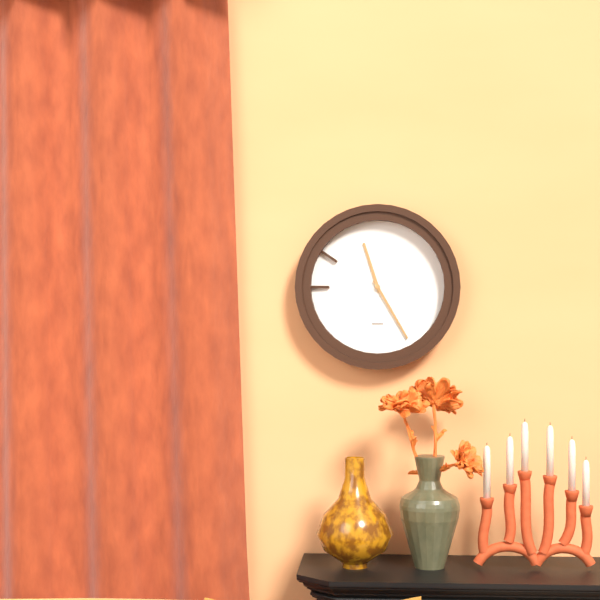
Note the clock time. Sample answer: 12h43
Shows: 11h25
